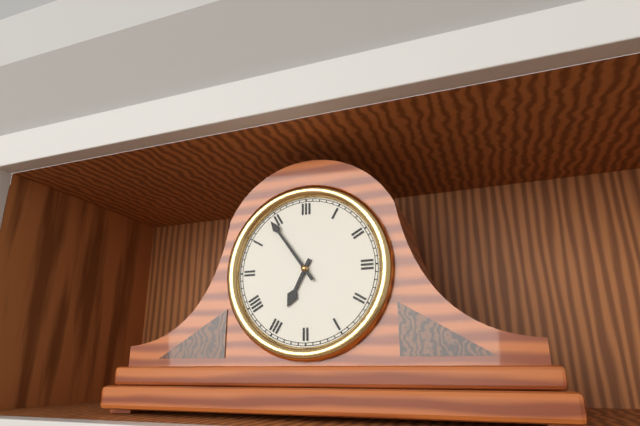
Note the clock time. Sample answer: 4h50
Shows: 6h54
